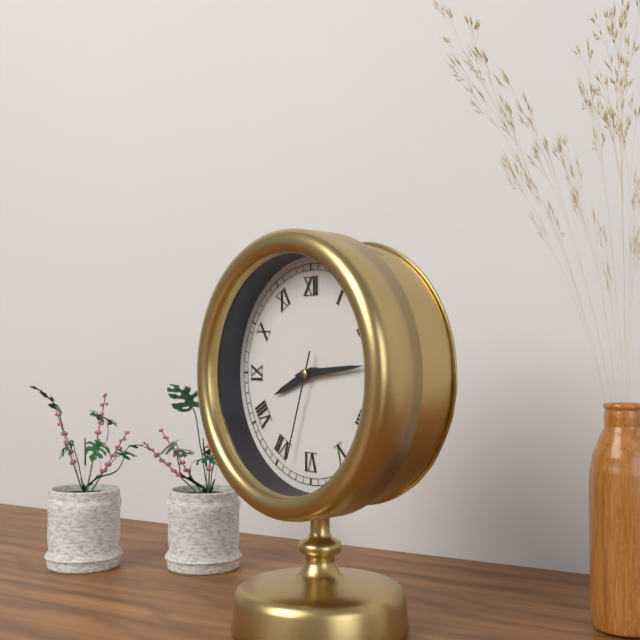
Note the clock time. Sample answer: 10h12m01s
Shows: 8h14m33s
